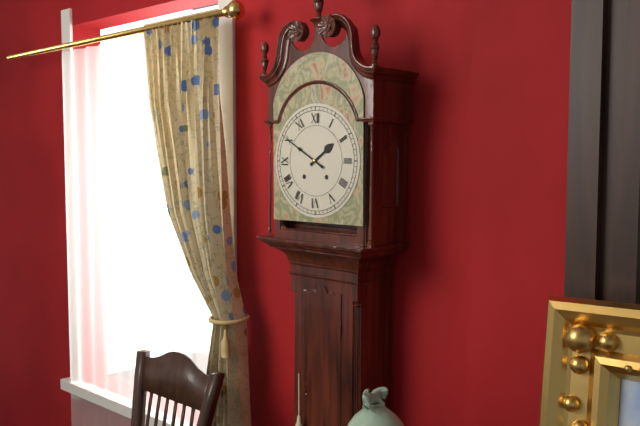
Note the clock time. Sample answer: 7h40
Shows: 1h50
